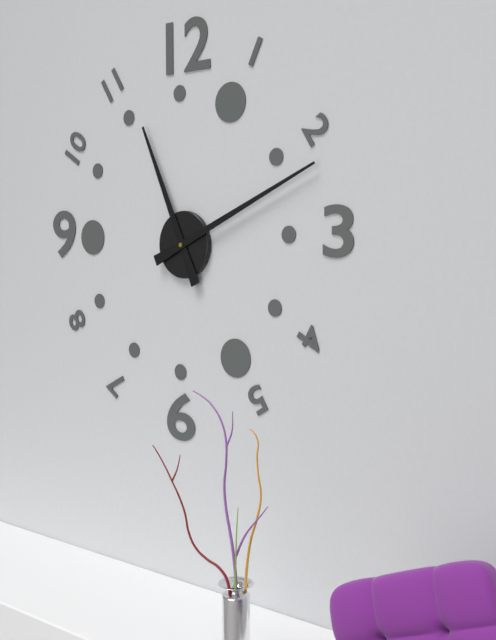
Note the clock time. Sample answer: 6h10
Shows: 11h11
